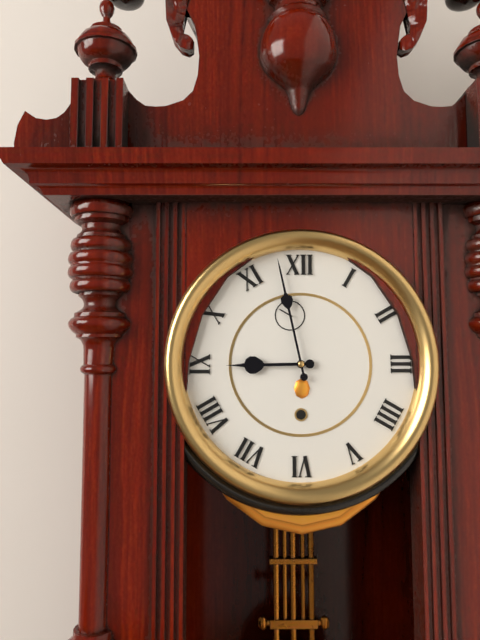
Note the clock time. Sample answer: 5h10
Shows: 8h58
